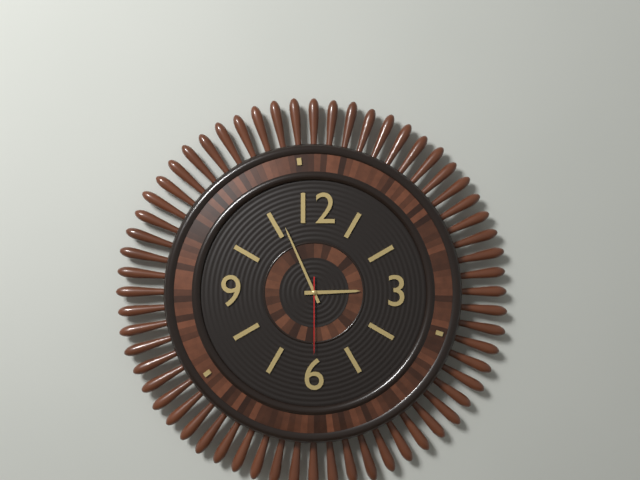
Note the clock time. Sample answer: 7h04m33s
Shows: 2h56m30s
